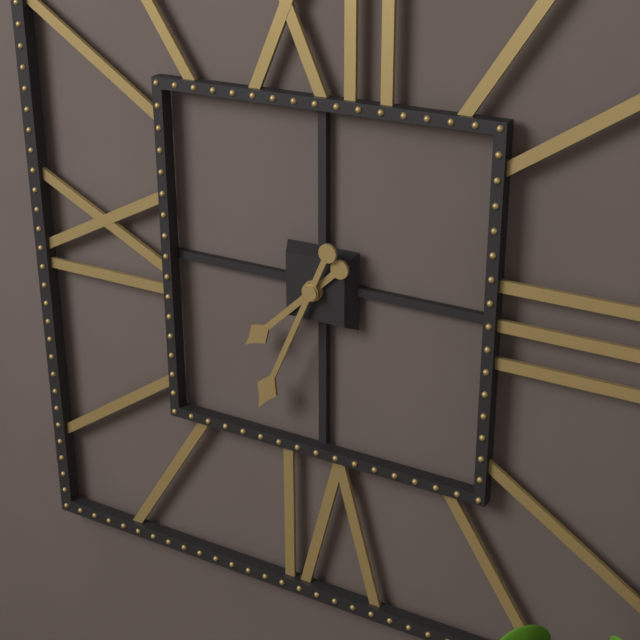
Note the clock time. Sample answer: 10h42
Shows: 7h34
